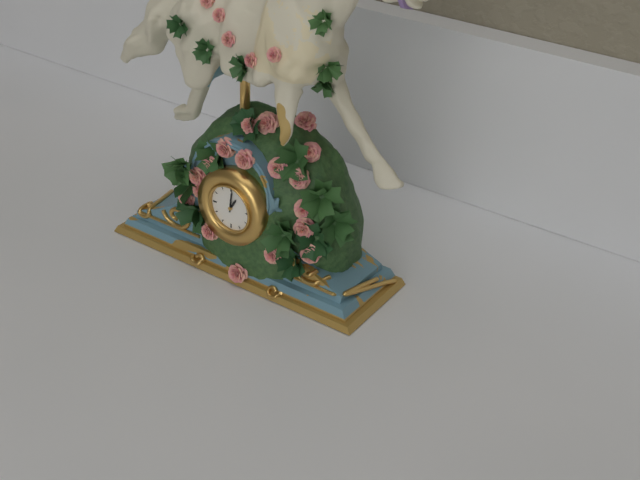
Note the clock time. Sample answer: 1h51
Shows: 1h01
